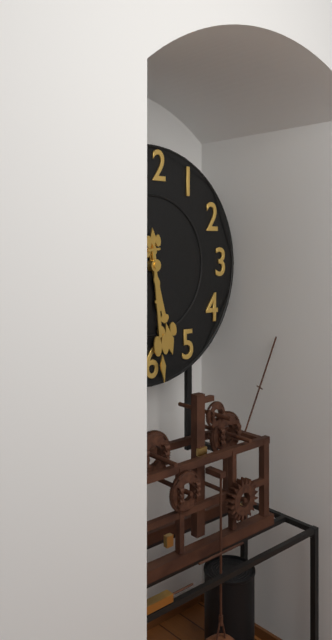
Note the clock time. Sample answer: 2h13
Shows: 5h29
